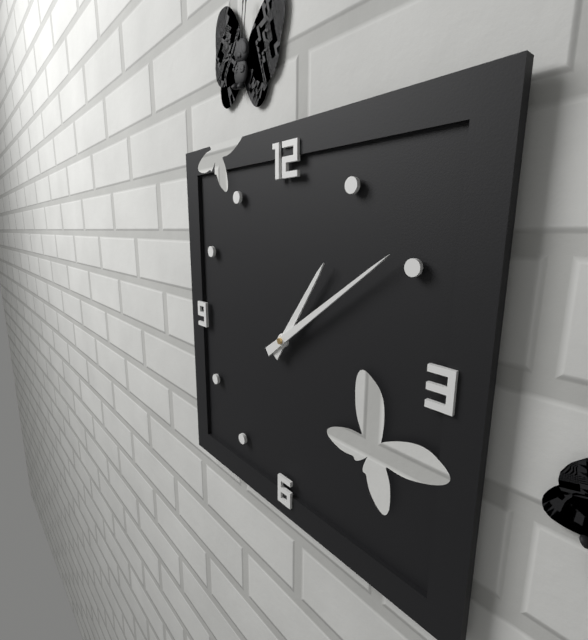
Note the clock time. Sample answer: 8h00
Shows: 1h09
